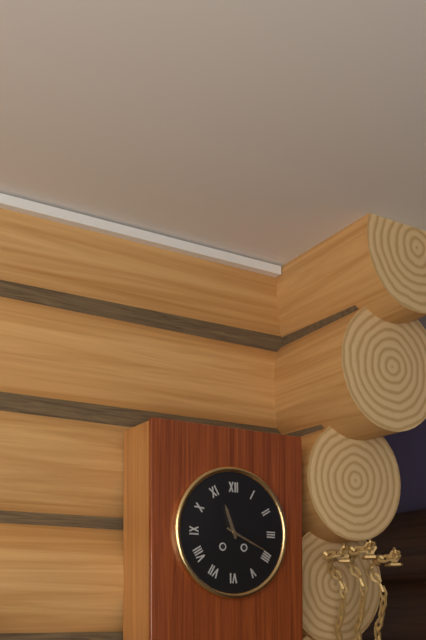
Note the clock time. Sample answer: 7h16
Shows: 11h19
